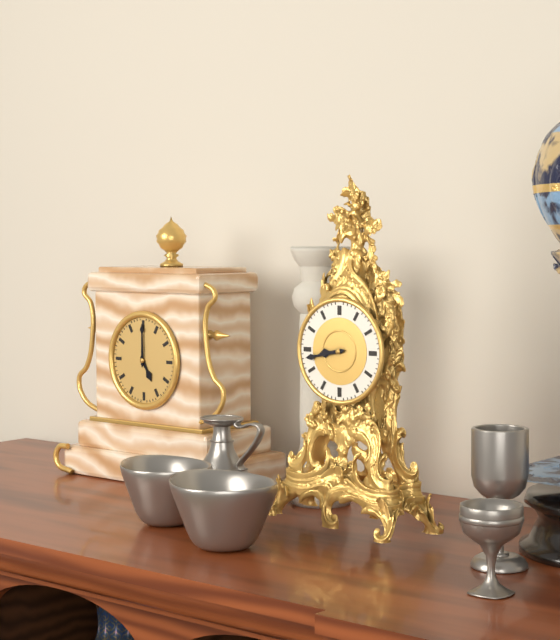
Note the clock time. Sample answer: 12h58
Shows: 8h43
